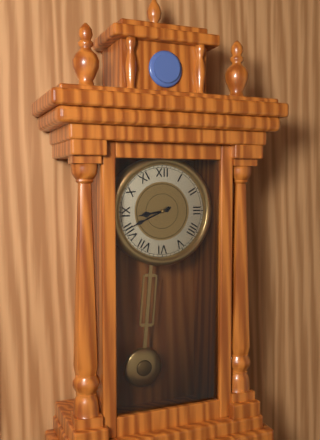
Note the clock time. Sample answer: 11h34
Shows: 8h41
